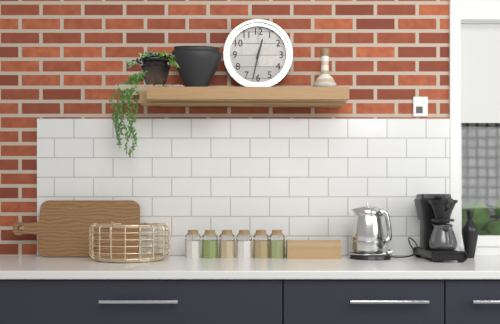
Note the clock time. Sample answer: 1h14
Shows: 12h32
